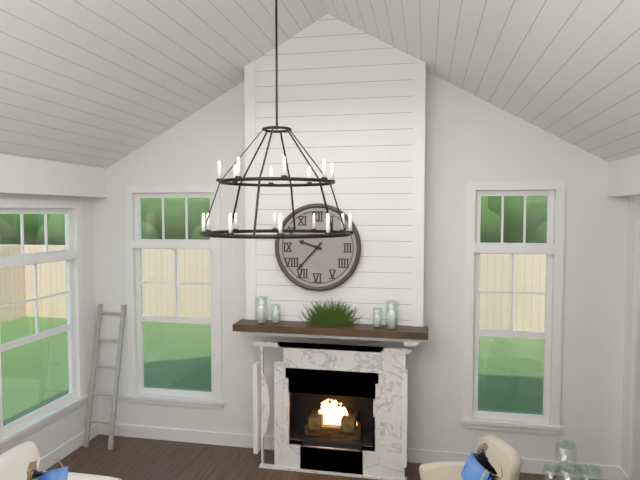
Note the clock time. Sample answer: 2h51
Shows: 9h37
